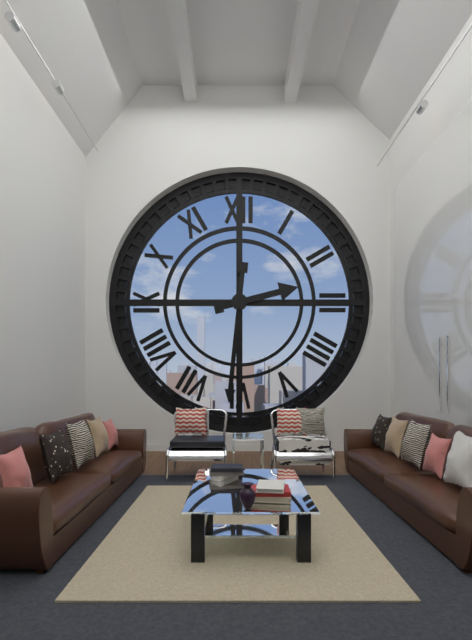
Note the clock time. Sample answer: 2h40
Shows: 2h31
